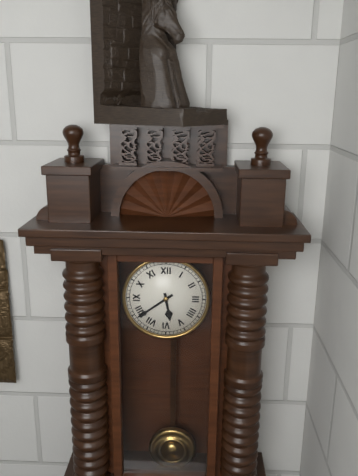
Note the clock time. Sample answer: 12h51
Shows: 5h39
